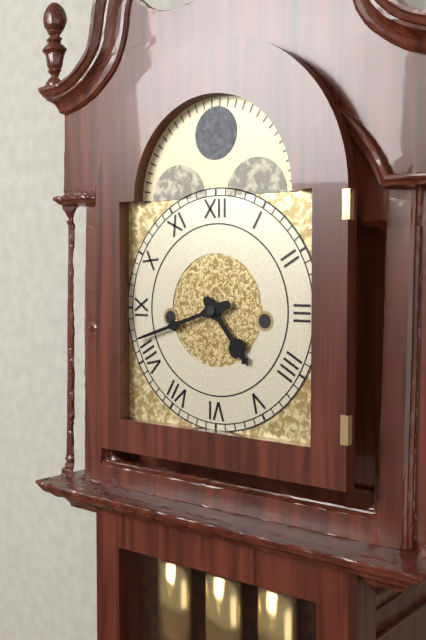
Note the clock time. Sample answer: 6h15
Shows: 4h42
